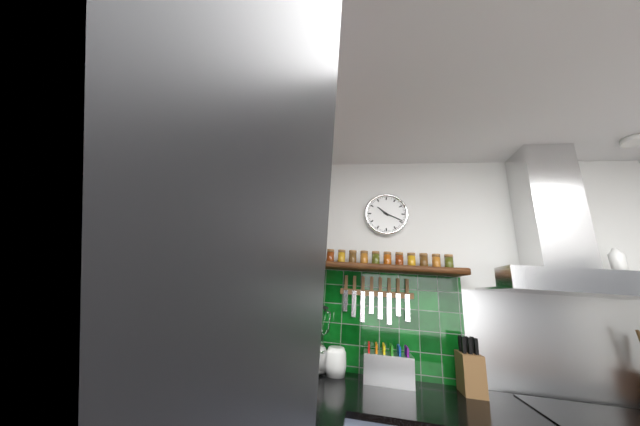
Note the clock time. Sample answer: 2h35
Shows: 10h19
